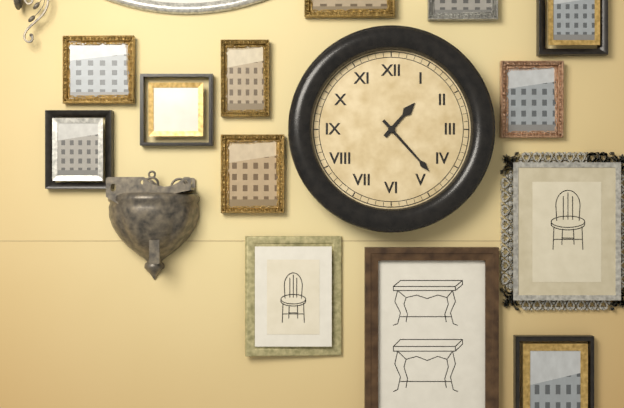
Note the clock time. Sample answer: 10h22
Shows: 1h23
